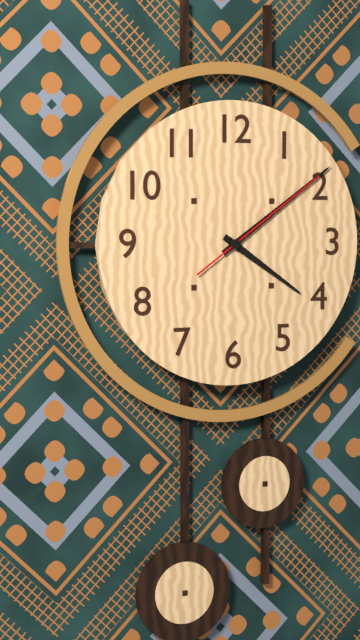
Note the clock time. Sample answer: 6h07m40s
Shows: 4h09m09s
